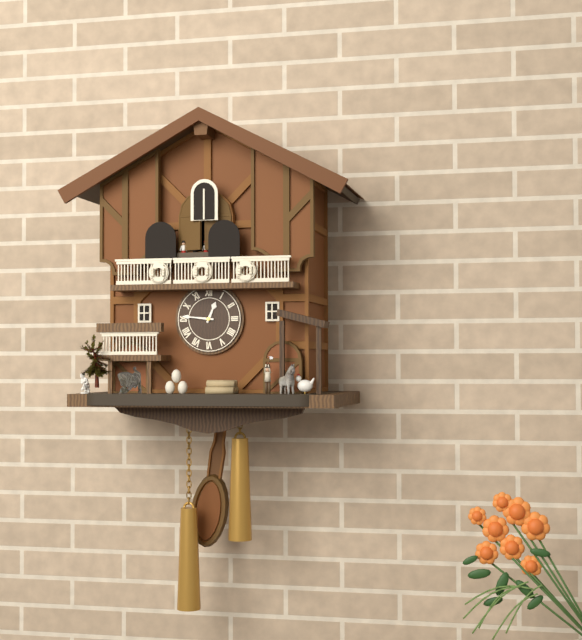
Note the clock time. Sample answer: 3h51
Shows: 12h46
